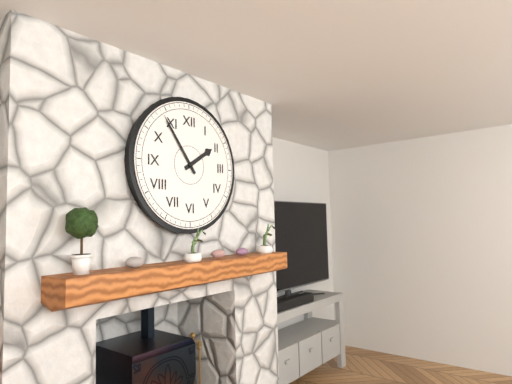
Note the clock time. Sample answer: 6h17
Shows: 1h54
